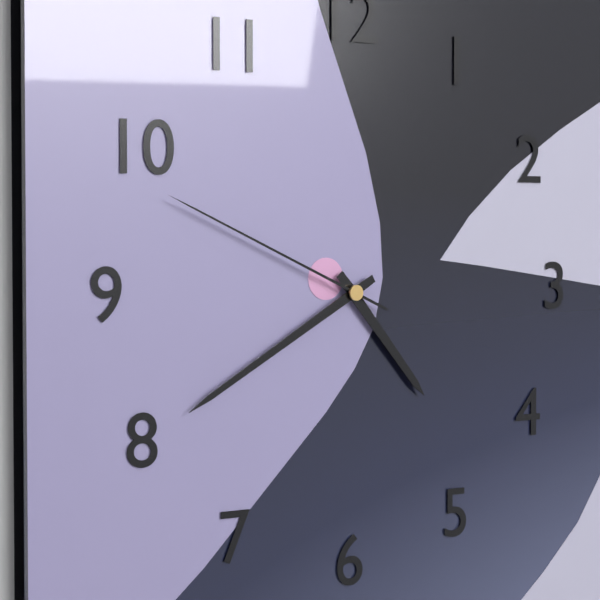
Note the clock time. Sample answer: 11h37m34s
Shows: 4h40m49s
